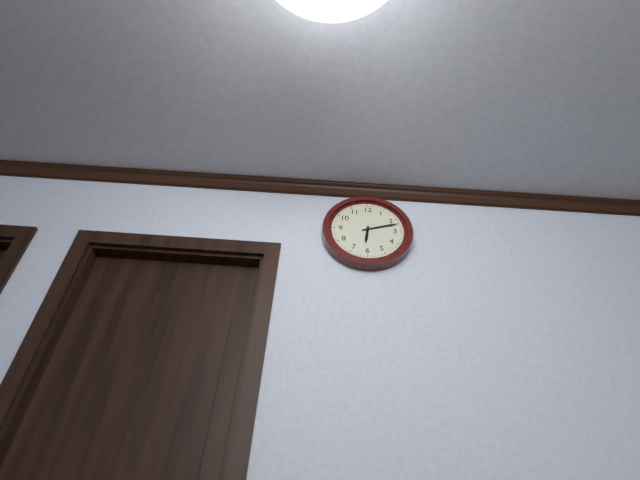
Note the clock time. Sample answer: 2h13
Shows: 6h12
